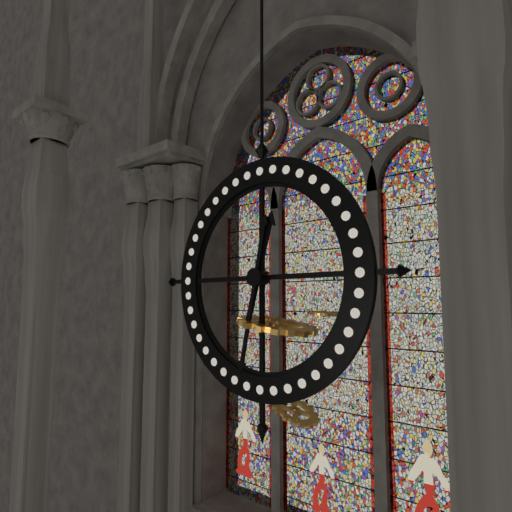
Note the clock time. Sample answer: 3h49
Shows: 12h32
